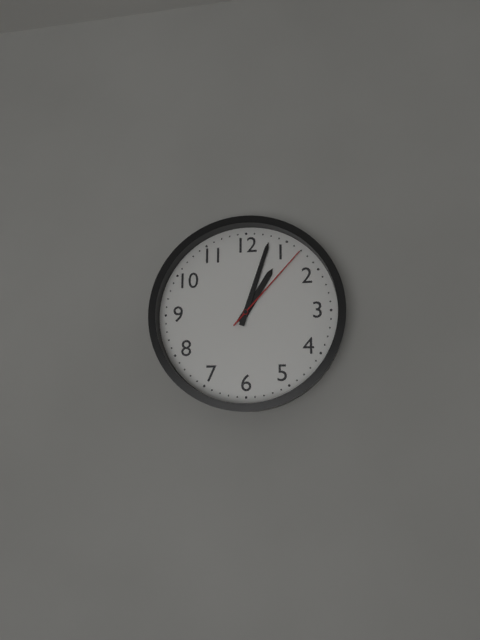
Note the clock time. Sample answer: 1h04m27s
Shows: 1h03m07s
